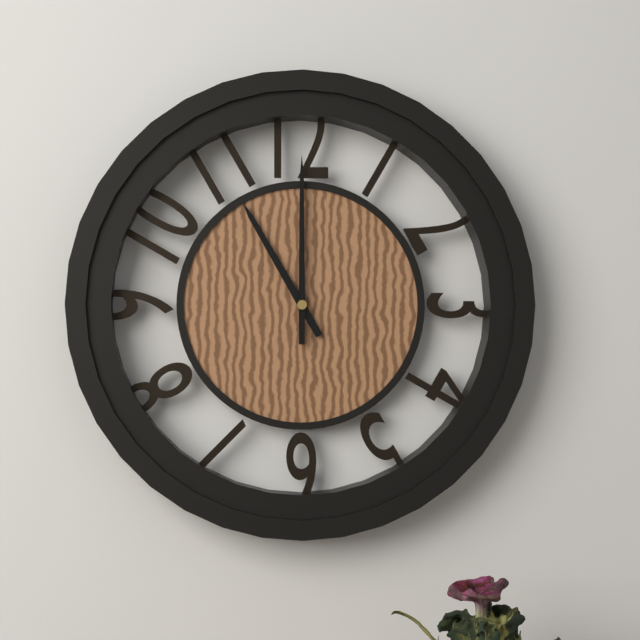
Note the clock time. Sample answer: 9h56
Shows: 11h00
